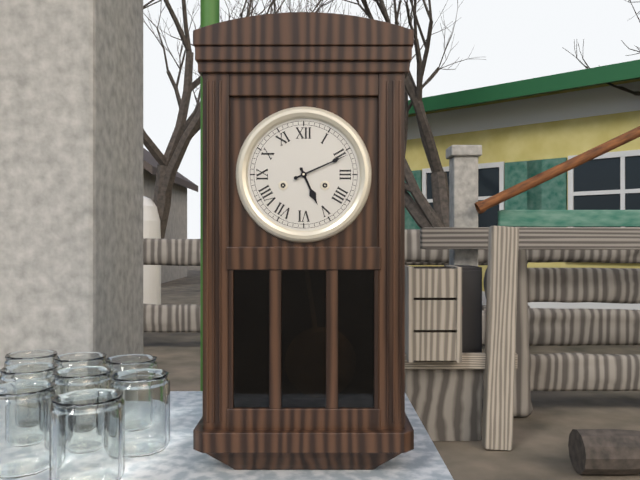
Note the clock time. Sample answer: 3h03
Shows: 5h11
